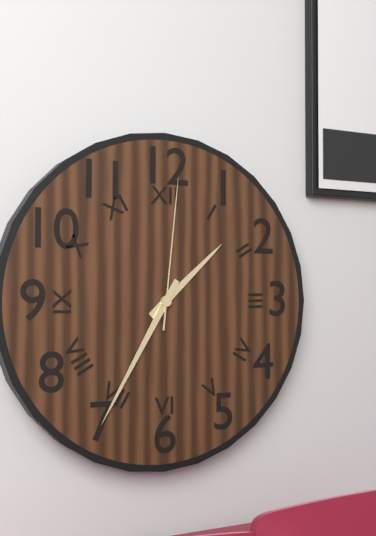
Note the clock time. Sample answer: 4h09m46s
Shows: 1h35m01s
